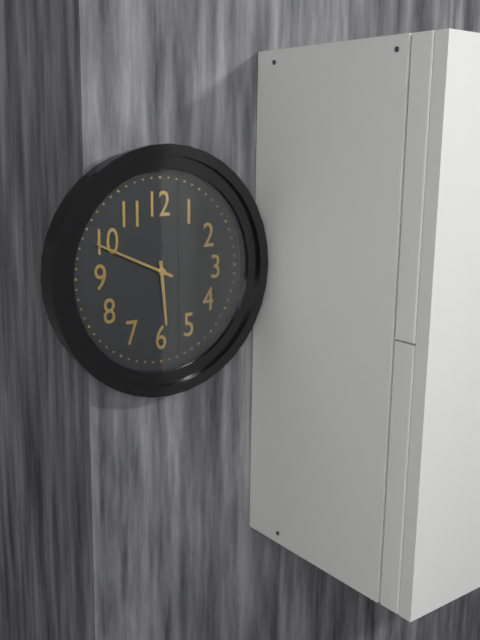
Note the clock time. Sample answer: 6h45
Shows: 5h49
